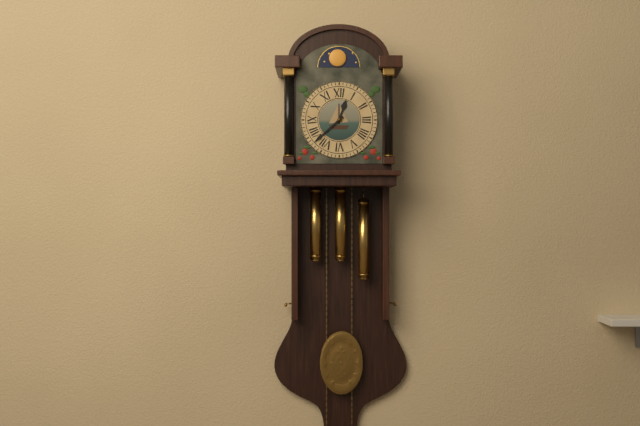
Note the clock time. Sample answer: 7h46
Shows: 12h38
